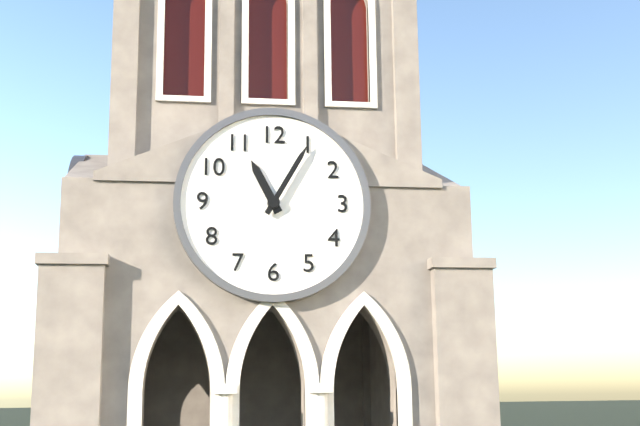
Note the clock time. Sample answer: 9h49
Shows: 11h05
